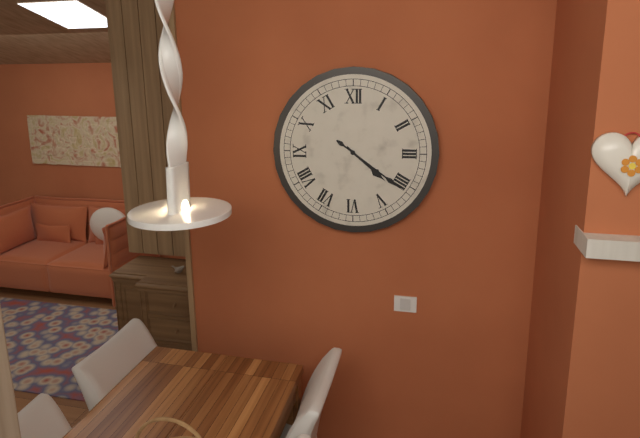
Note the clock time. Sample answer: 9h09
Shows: 4h21
